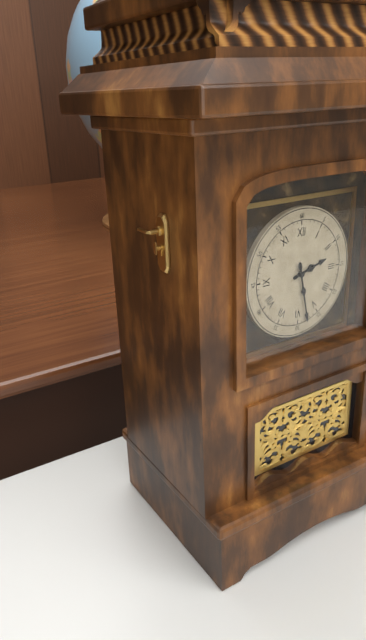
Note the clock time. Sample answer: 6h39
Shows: 2h28
